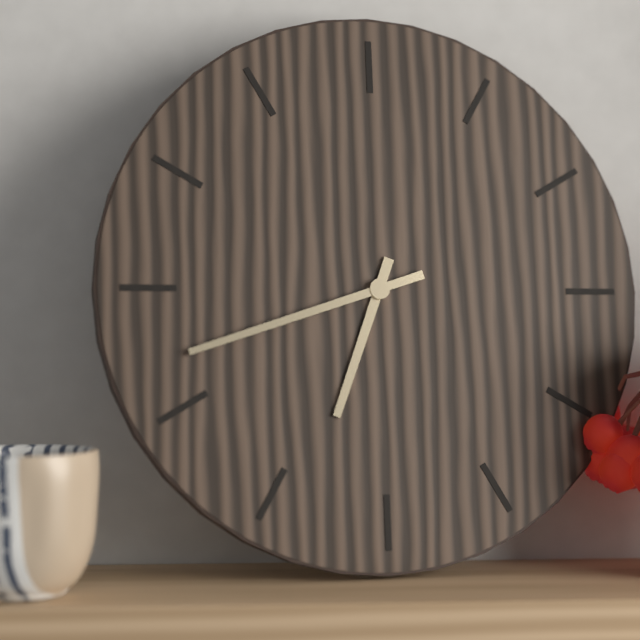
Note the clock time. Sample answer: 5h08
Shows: 6h42
